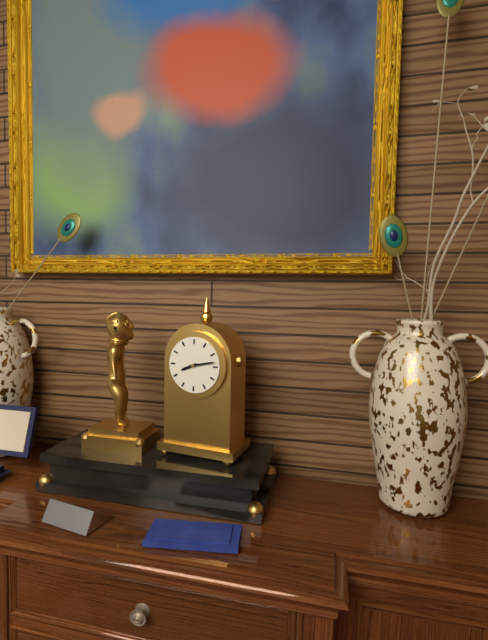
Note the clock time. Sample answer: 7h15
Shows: 8h13
